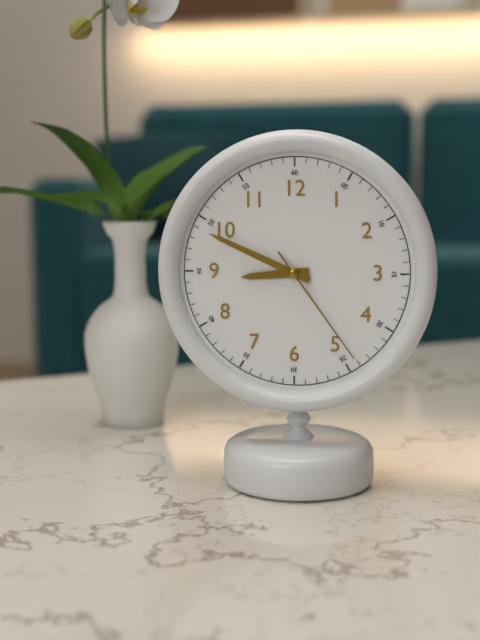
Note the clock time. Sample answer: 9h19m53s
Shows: 8h49m24s
